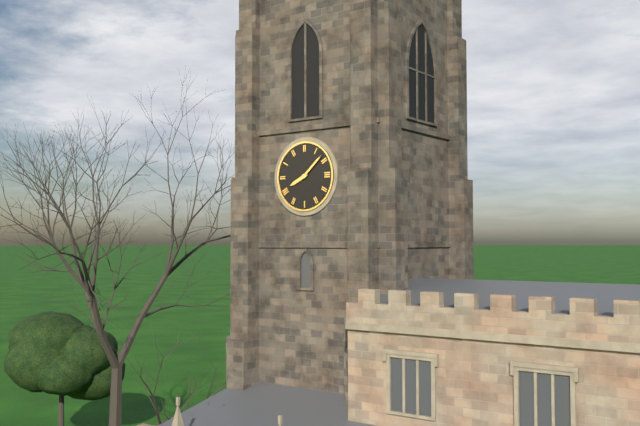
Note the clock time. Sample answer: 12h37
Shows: 8h08
